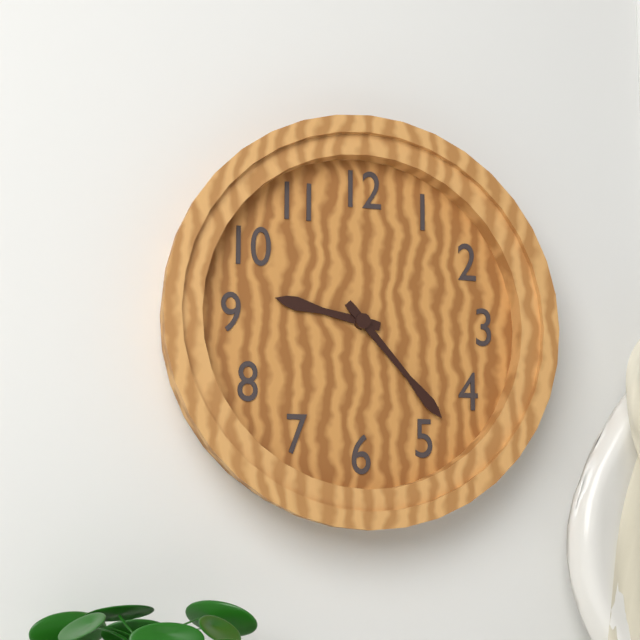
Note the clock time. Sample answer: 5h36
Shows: 9h23
